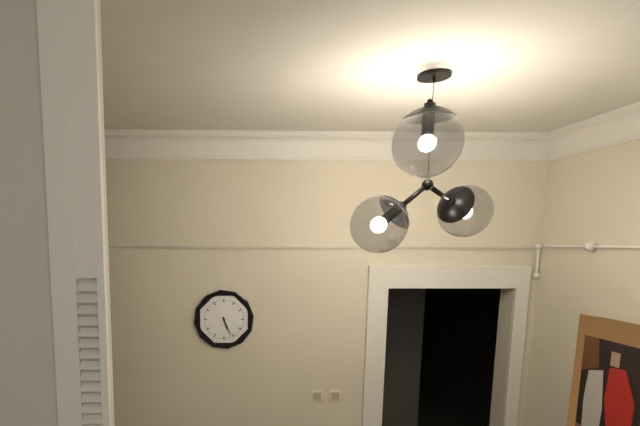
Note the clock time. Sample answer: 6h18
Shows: 5h26
